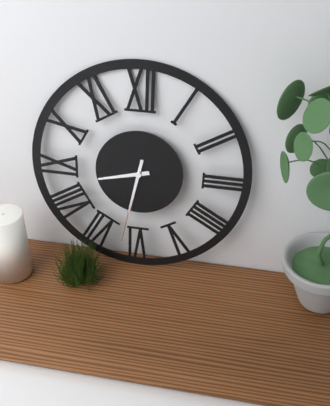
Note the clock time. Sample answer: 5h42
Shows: 8h32
